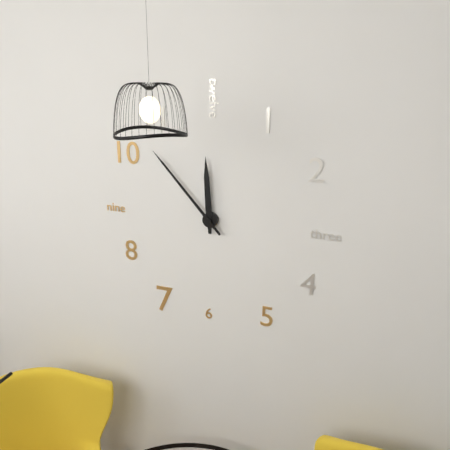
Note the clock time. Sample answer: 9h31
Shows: 11h53
